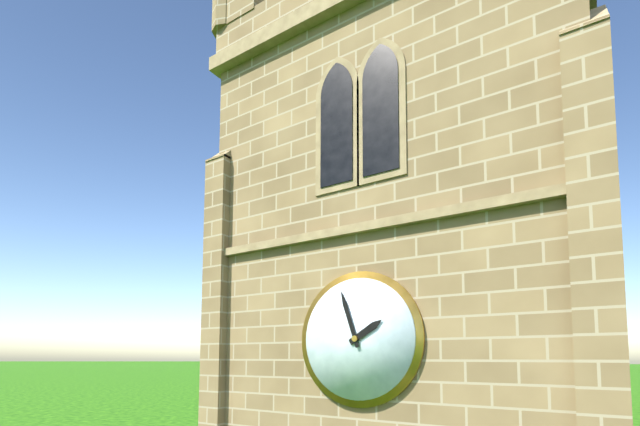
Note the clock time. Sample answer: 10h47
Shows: 1h57
